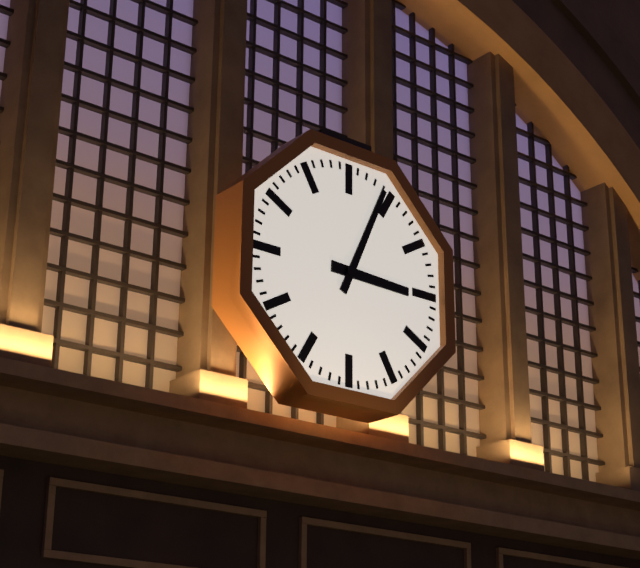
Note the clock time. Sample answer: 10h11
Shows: 3h04
